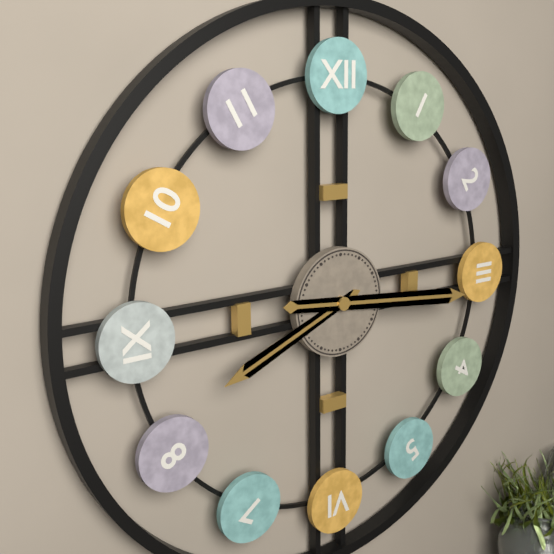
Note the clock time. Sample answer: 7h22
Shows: 8h16
